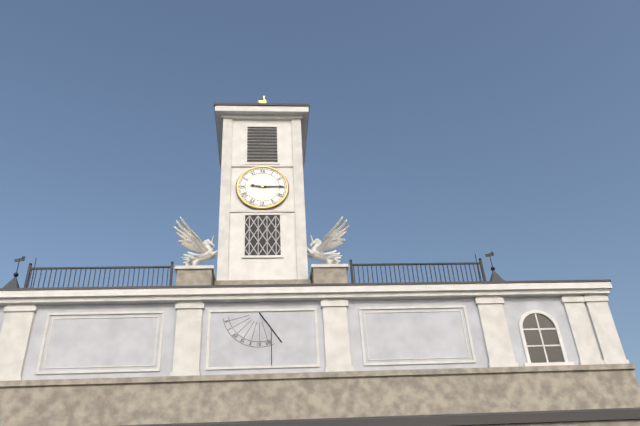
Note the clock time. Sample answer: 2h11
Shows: 9h15
